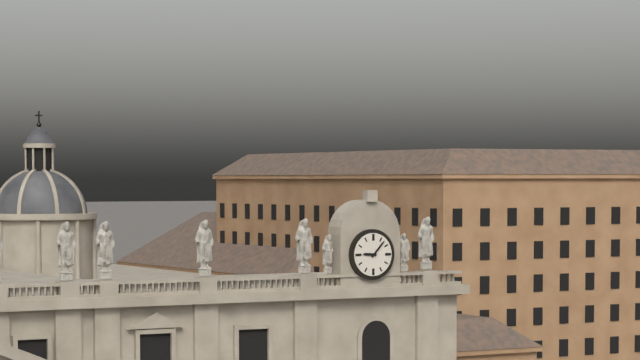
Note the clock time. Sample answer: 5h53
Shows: 9h07
